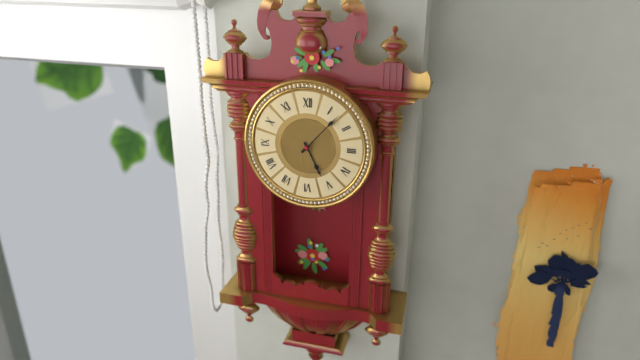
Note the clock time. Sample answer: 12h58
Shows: 5h07
